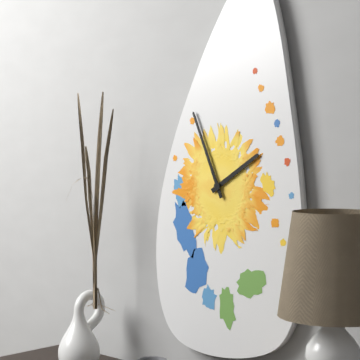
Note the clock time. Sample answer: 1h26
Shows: 1h56
